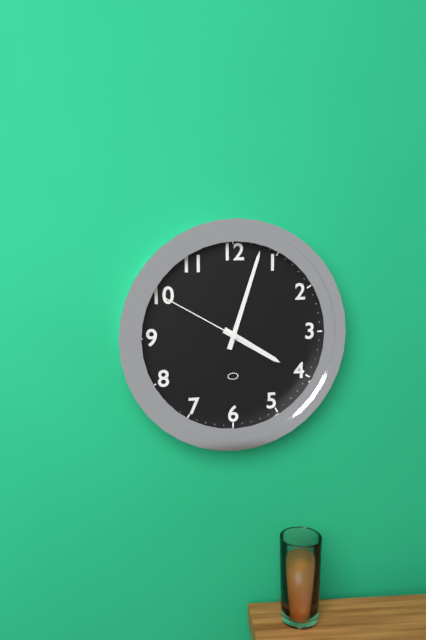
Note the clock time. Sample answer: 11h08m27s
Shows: 4h03m50s
